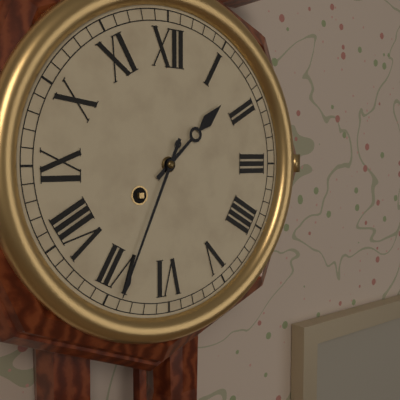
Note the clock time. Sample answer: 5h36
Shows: 1h34
